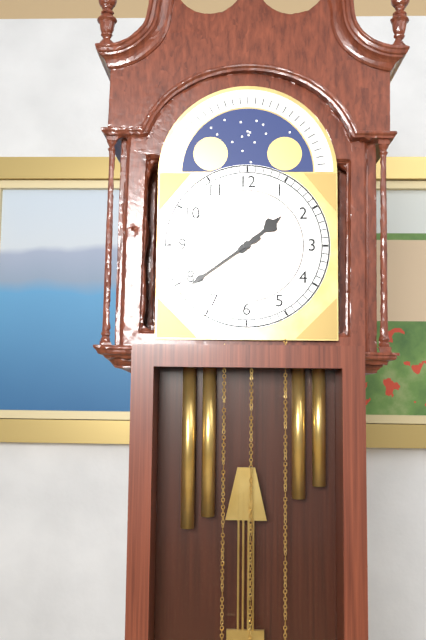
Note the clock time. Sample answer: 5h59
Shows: 1h39
